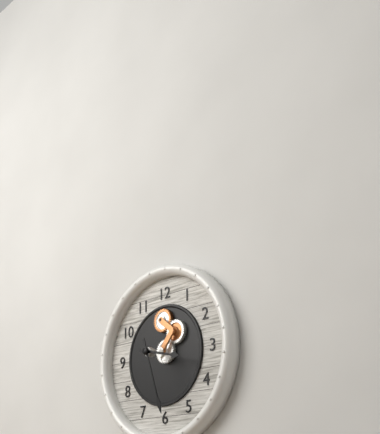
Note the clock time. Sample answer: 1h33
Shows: 3h27
